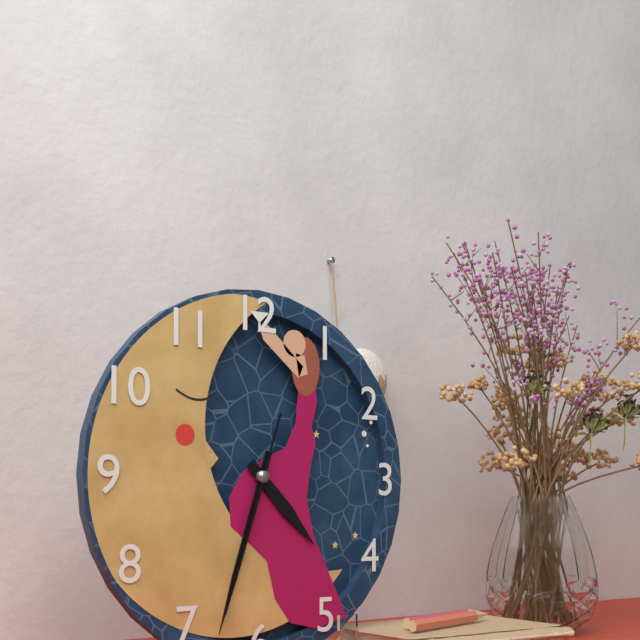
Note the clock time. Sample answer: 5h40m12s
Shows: 4h33m33s
